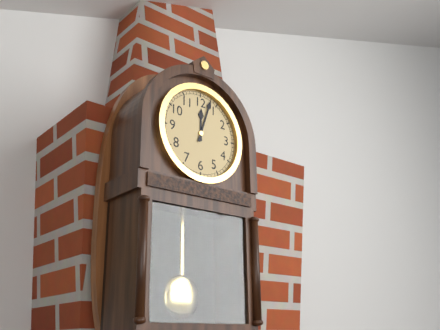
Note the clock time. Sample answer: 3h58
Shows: 12h03
